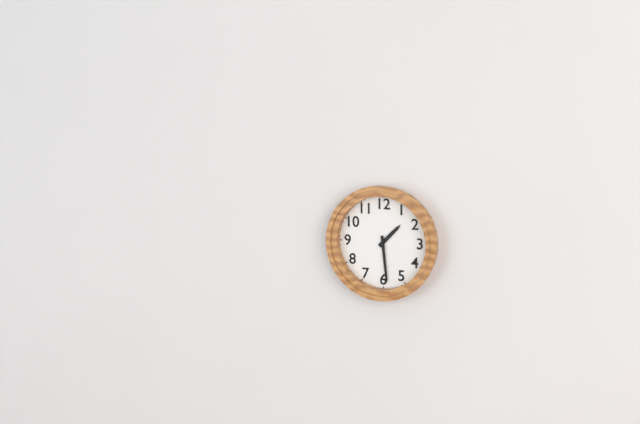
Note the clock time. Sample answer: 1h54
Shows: 1h29
